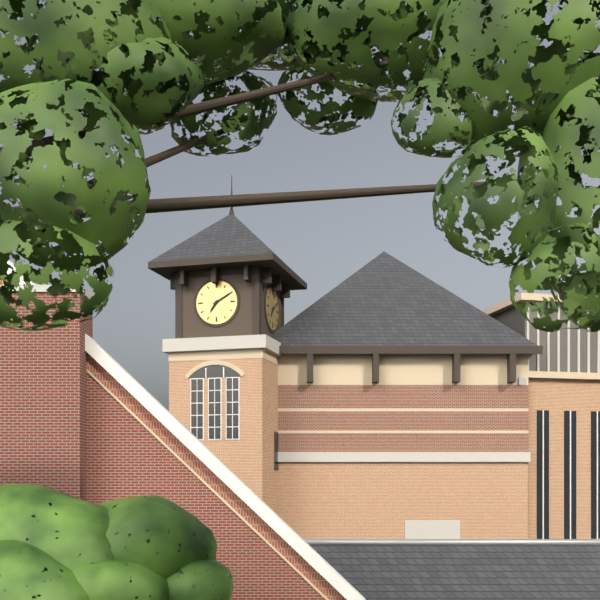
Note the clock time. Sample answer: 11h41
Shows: 7h10
